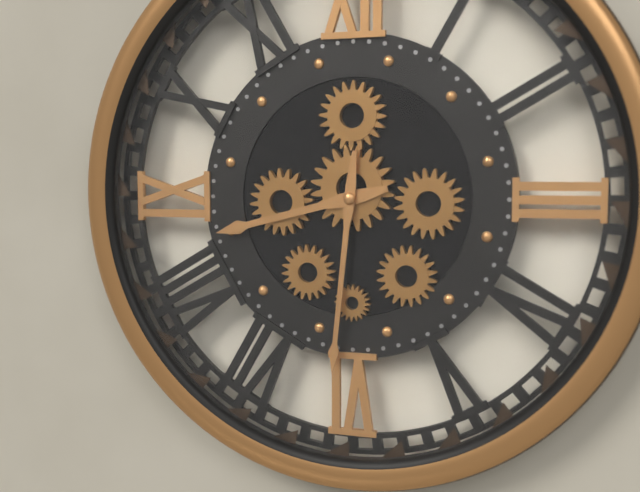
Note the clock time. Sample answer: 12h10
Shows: 8h31
